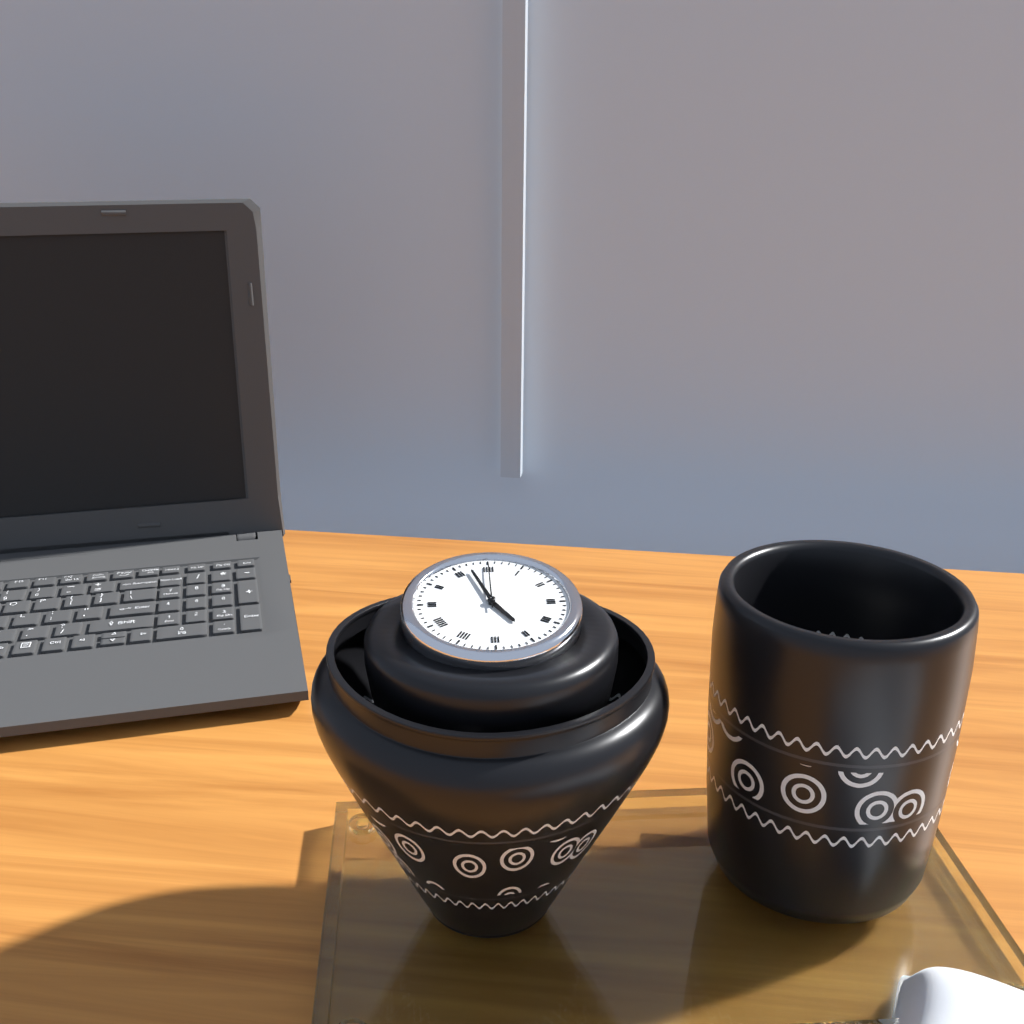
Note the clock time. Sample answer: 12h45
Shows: 4h57
